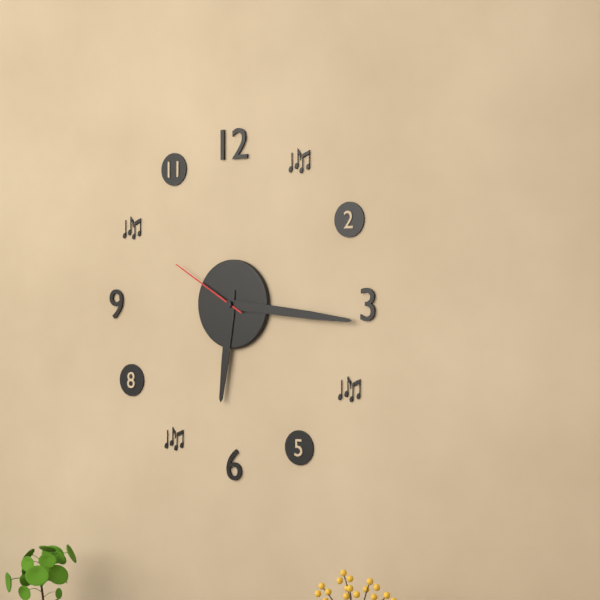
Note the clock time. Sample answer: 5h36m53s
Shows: 6h16m50s
